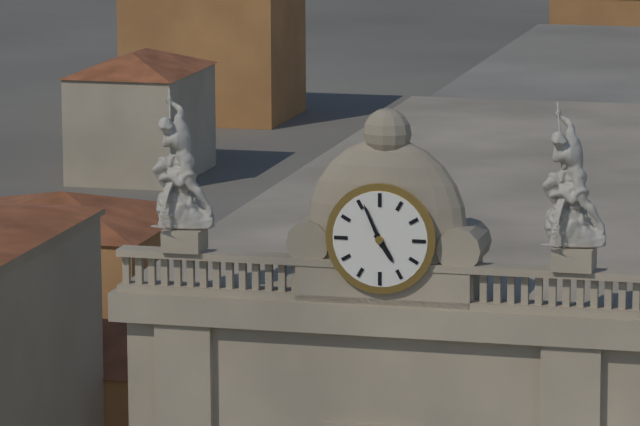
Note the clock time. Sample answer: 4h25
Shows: 4h56
